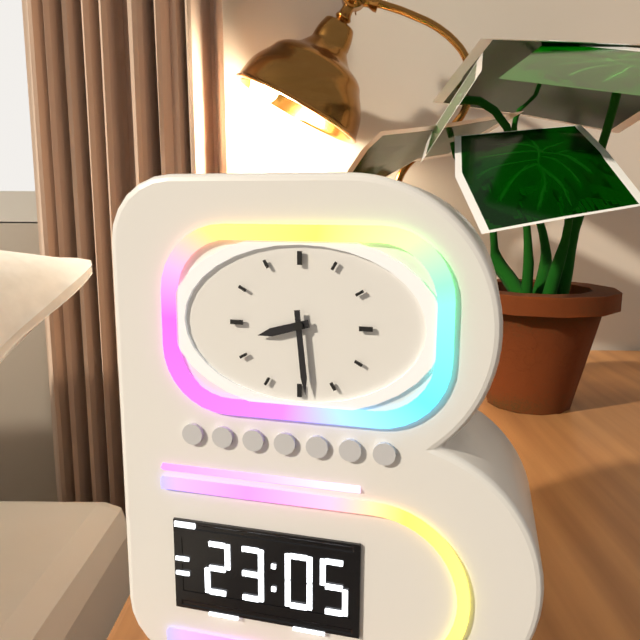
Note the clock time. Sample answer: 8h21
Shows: 8h29
